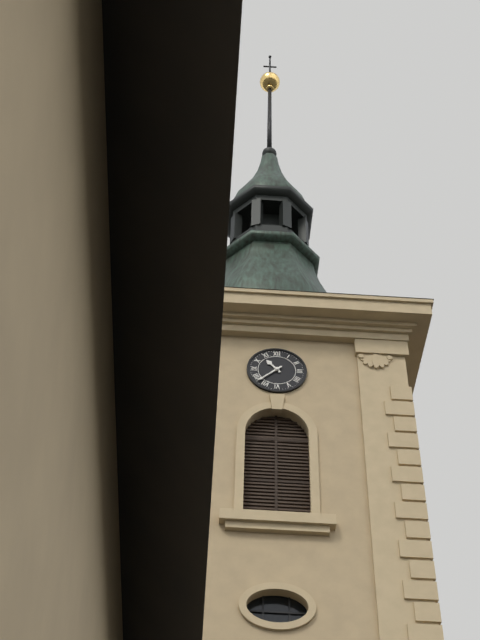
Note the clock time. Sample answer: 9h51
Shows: 10h38
